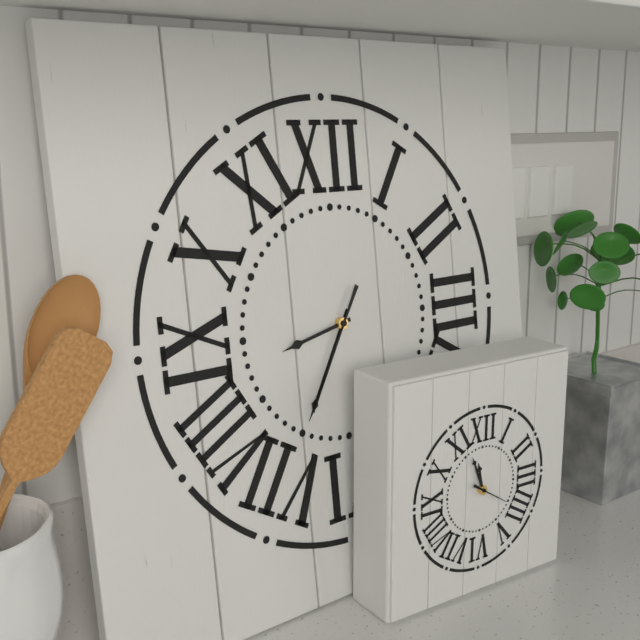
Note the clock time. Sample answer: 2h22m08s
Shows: 8h35m35s
